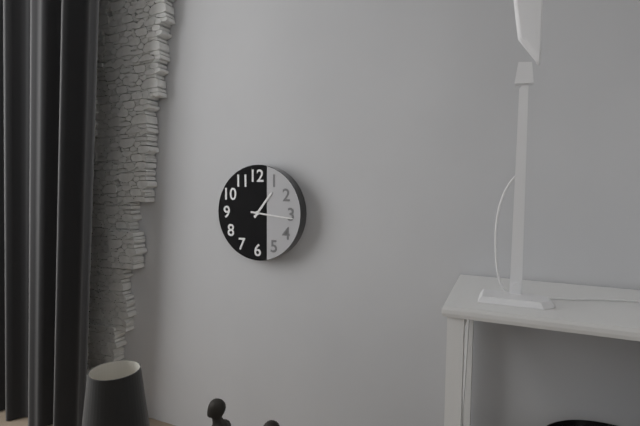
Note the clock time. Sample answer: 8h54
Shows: 1h16
